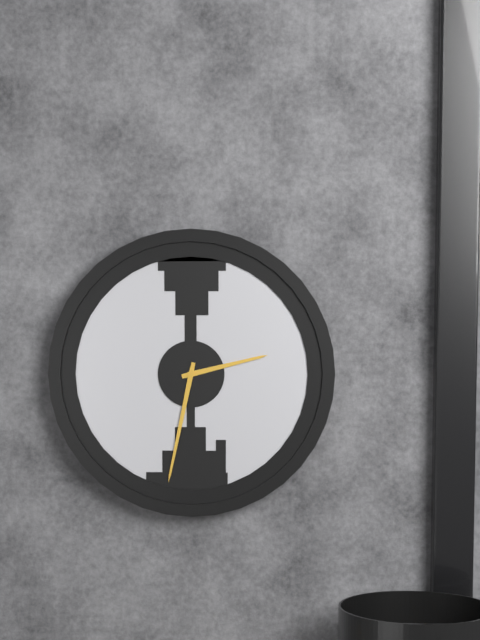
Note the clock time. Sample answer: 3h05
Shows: 2h32
